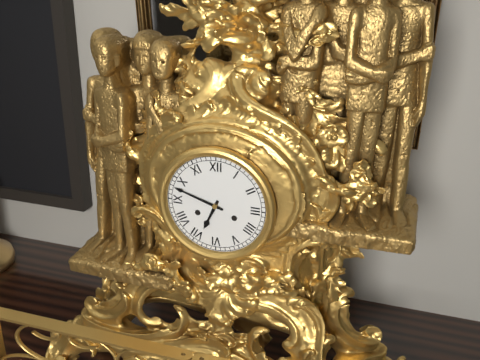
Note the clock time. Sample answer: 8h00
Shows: 6h48
